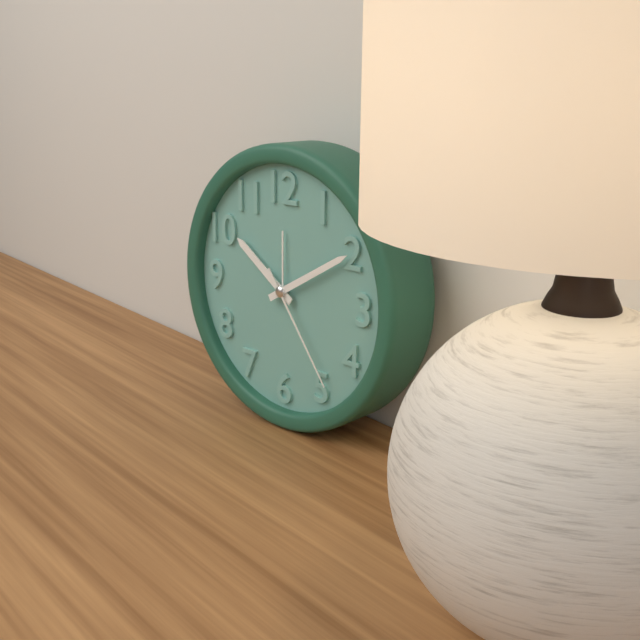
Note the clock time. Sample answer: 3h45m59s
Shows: 10h10m24s
